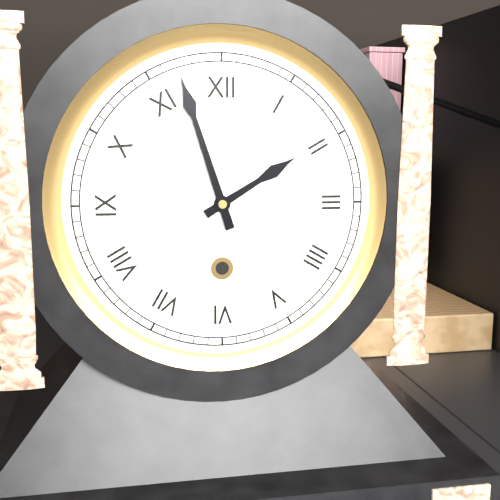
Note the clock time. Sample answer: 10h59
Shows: 1h57
